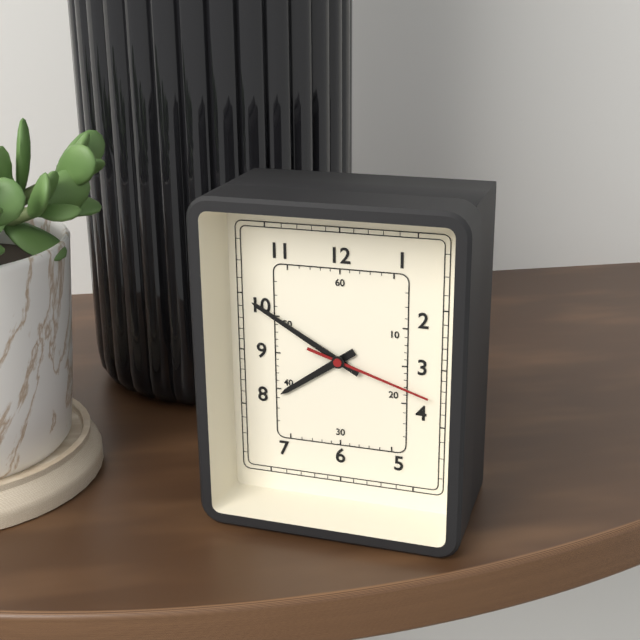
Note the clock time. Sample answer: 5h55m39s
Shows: 7h50m18s
